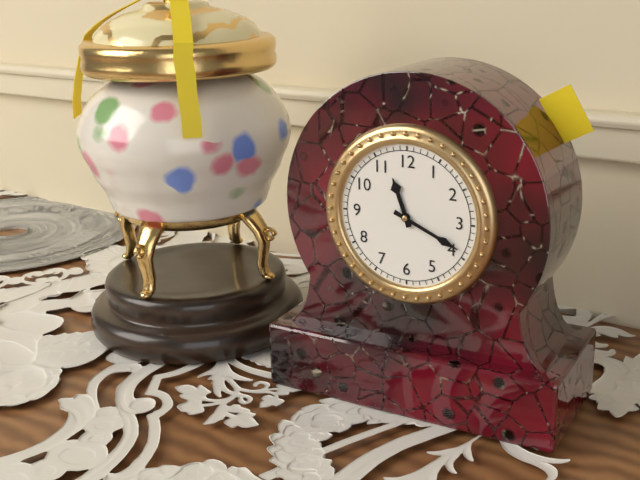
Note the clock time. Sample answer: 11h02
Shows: 11h19
